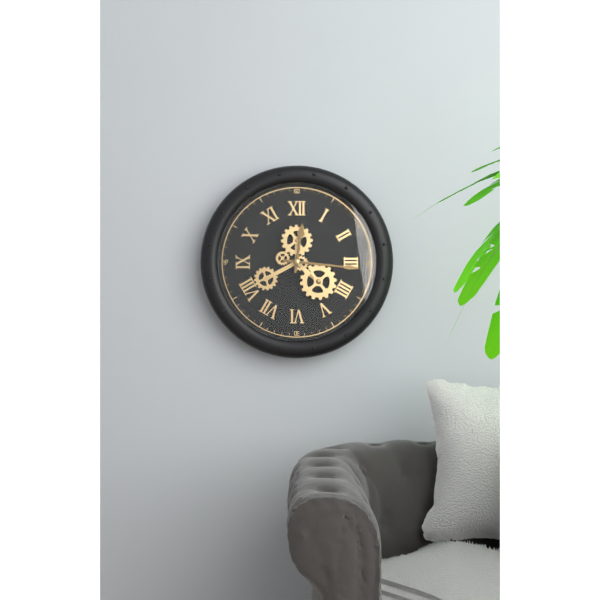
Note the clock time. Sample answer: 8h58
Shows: 12h16
